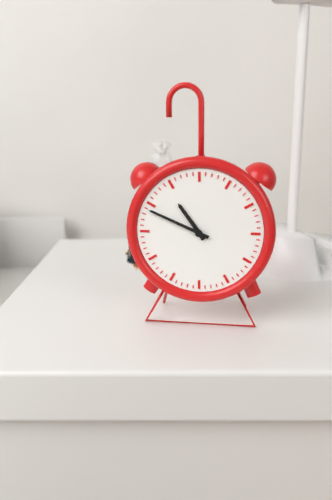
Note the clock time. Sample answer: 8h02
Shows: 10h49
